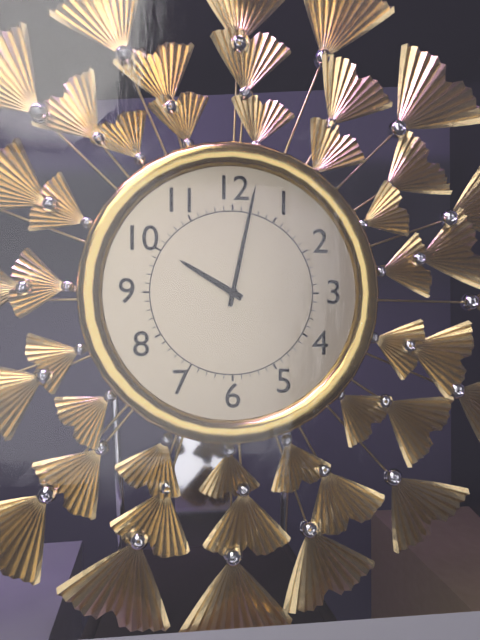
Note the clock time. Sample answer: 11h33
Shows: 10h02
